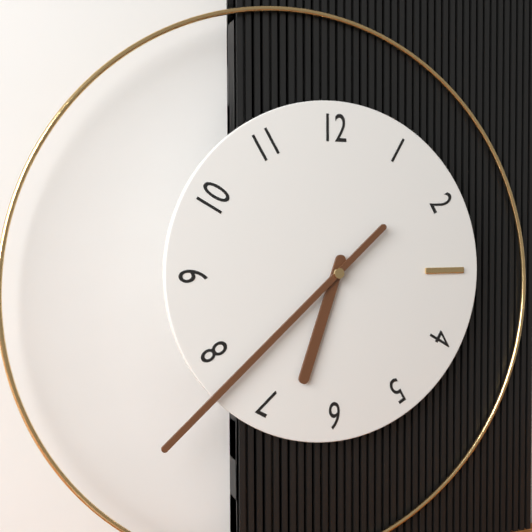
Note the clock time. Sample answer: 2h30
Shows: 6h38
